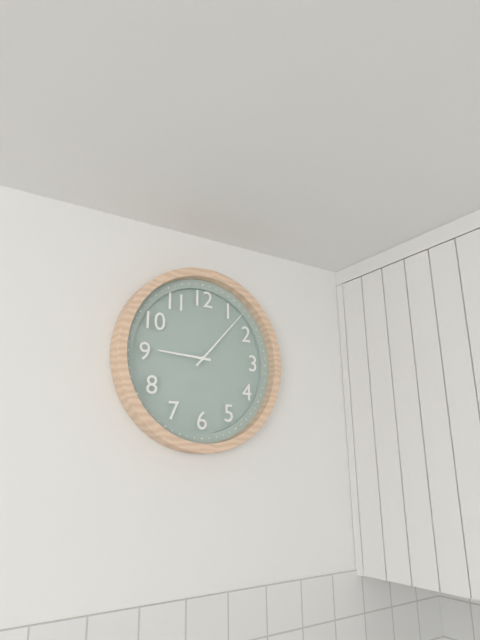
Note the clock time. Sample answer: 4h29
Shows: 9h07
